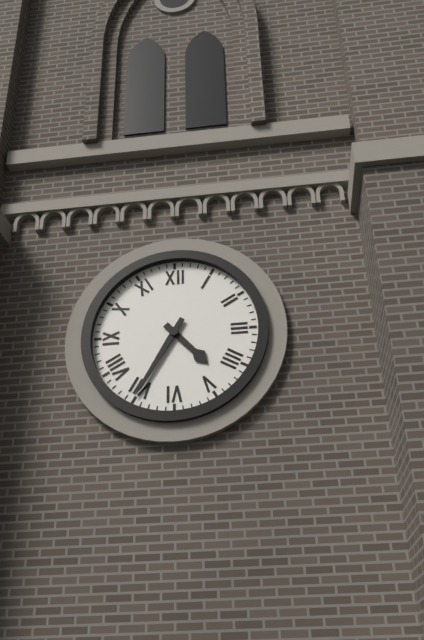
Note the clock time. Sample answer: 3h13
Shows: 4h35
